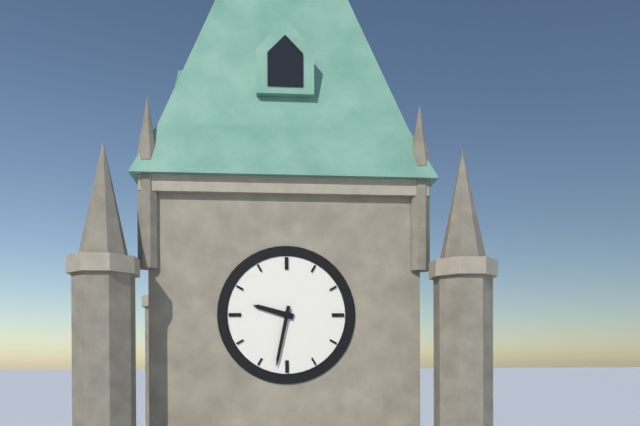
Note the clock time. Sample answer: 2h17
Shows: 9h32
